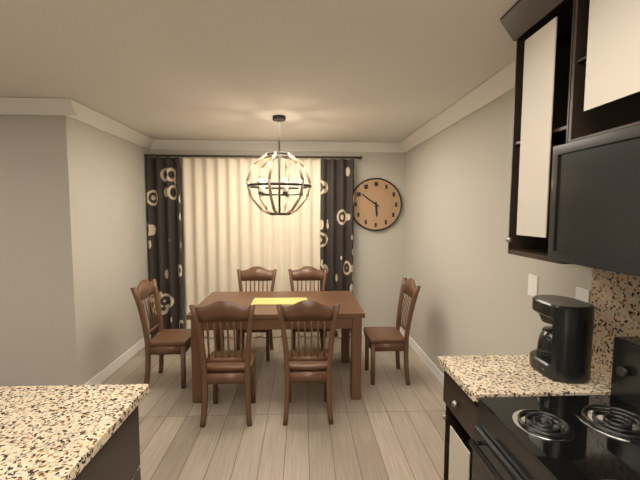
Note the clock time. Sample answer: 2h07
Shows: 5h51
